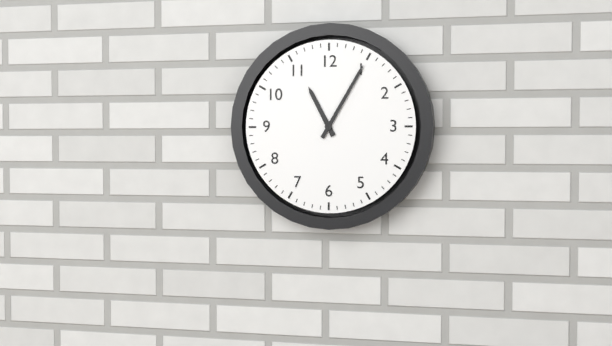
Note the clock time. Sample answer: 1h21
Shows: 11h05
